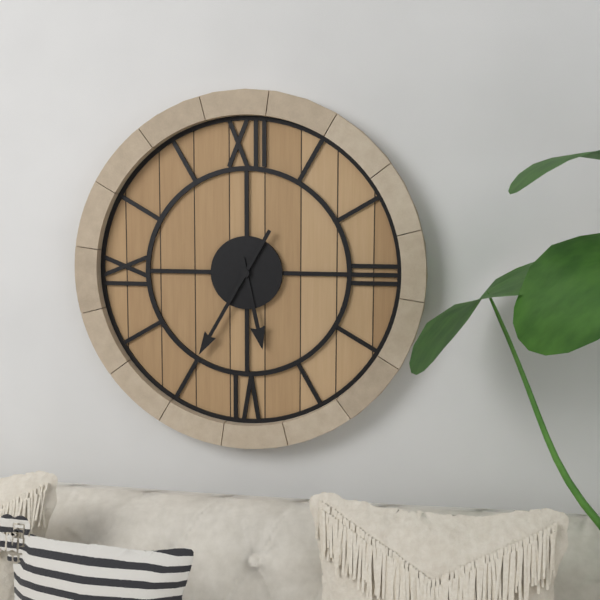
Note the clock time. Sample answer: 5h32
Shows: 5h35
